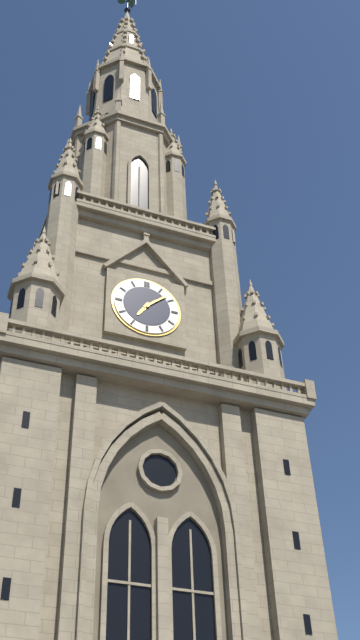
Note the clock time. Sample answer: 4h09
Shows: 7h08
